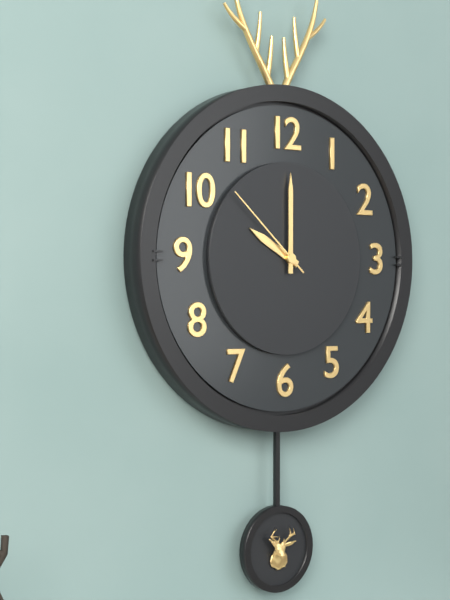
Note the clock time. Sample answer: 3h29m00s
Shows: 10h00m52s
